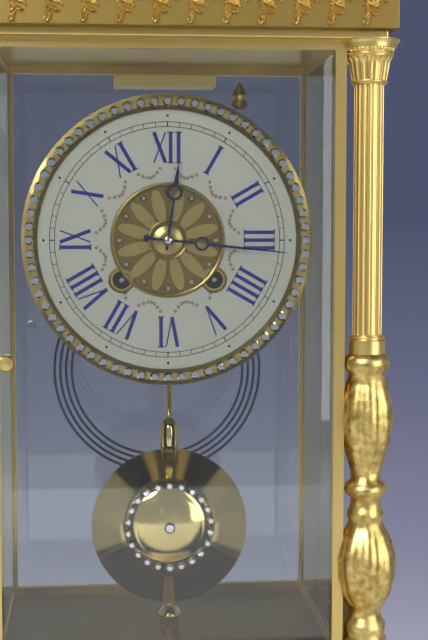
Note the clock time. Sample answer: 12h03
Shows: 12h16
